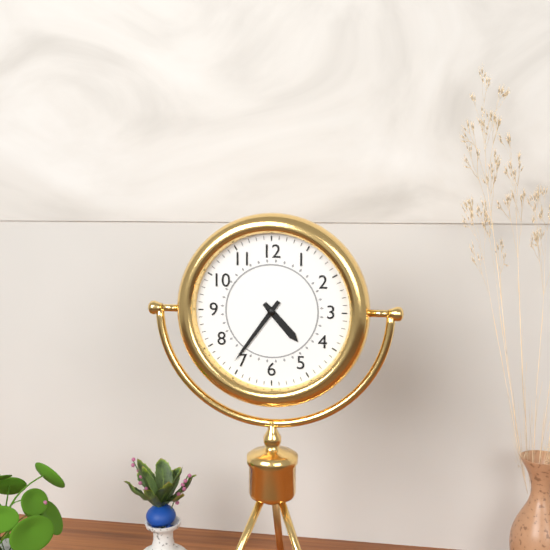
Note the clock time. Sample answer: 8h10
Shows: 4h36
